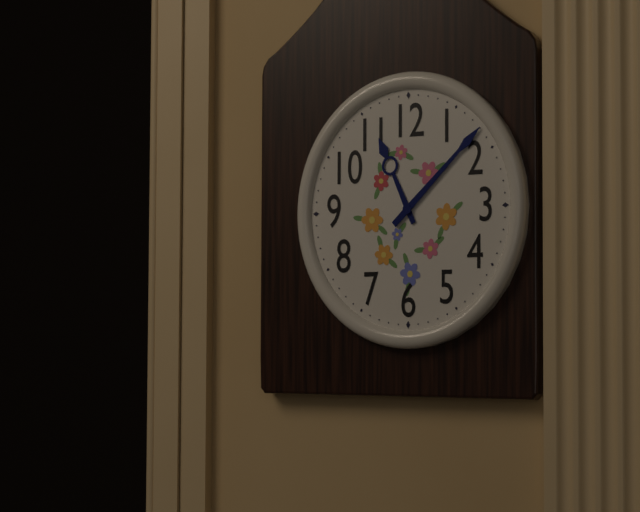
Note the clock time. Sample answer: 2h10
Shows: 11h08
